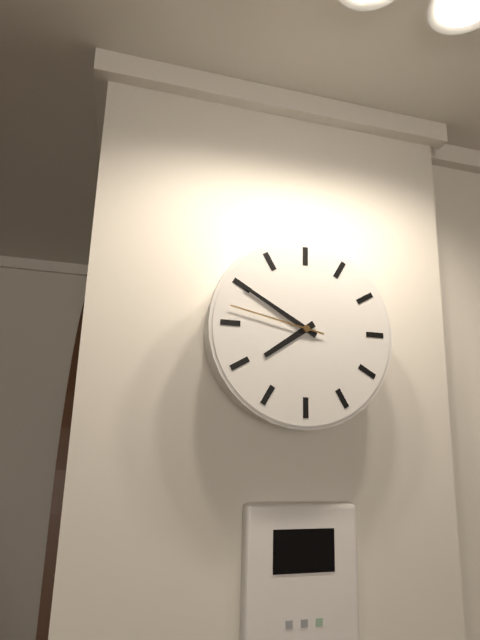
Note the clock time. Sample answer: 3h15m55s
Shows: 7h50m47s
